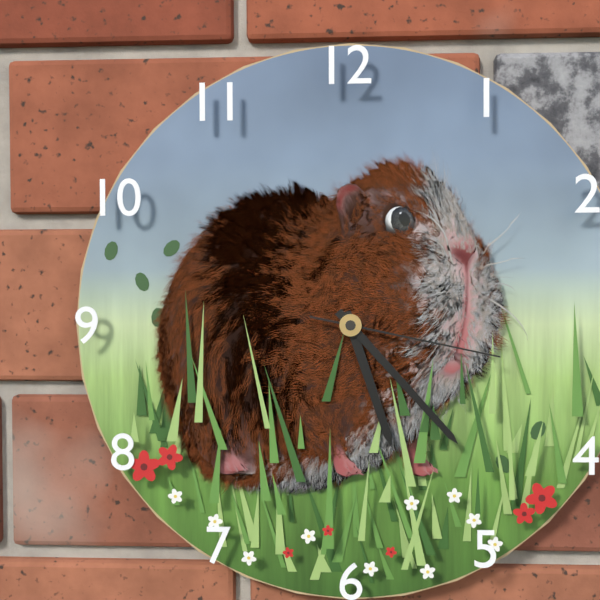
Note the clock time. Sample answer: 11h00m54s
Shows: 5h23m17s
